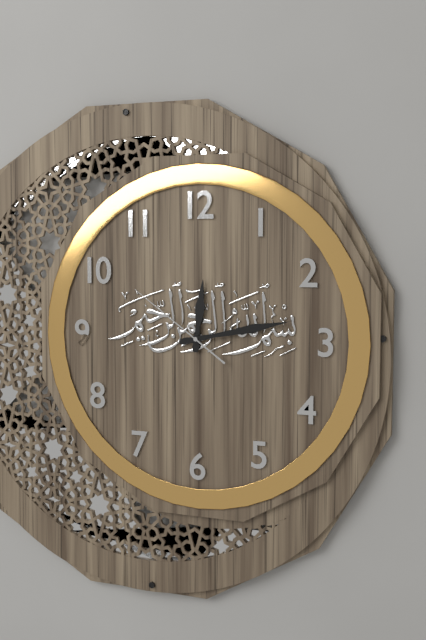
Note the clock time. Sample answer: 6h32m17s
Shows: 12h13m51s
